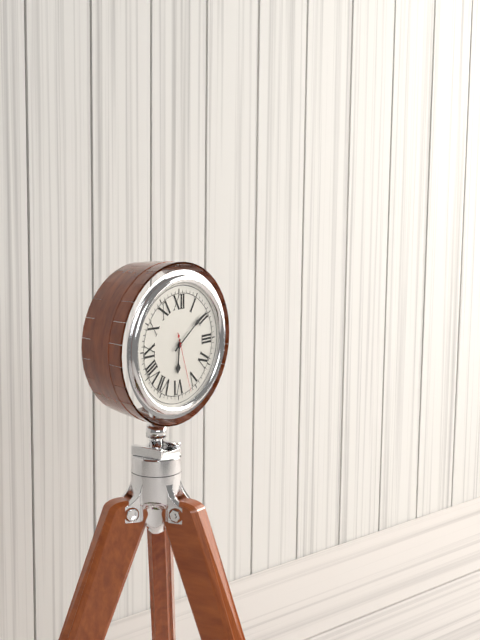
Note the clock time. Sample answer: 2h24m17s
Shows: 6h09m27s
